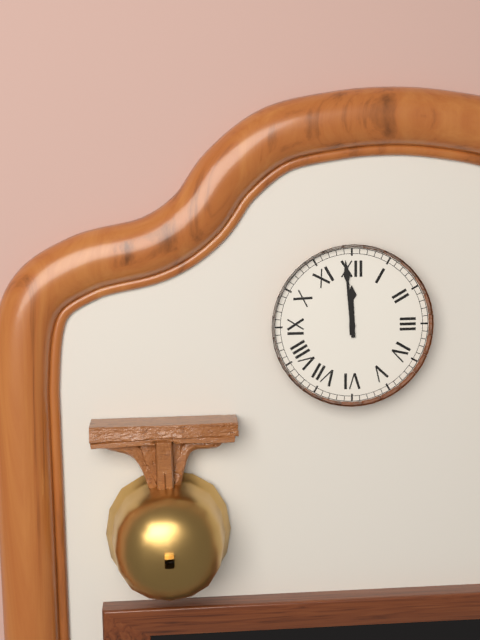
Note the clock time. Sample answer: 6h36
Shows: 11h59
